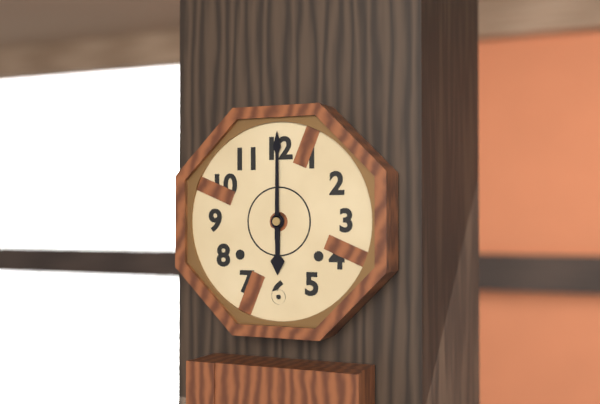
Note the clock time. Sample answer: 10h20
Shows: 6h00
